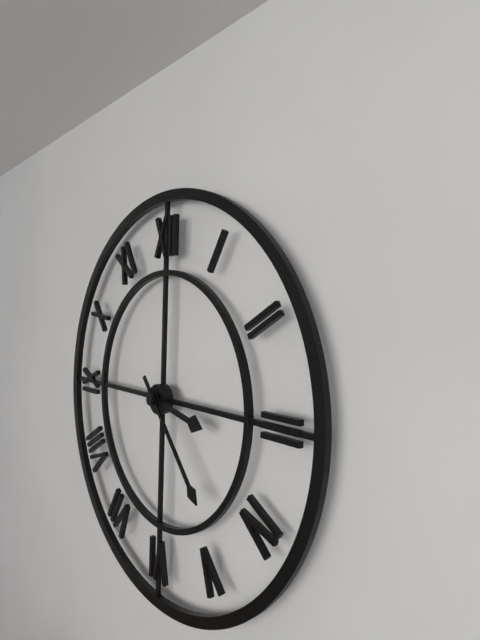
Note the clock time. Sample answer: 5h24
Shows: 3h23
